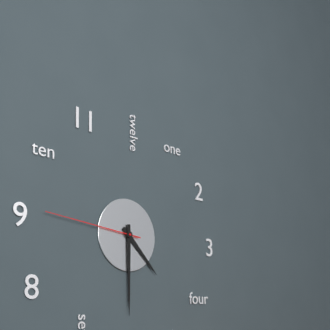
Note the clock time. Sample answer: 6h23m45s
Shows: 4h30m46s
